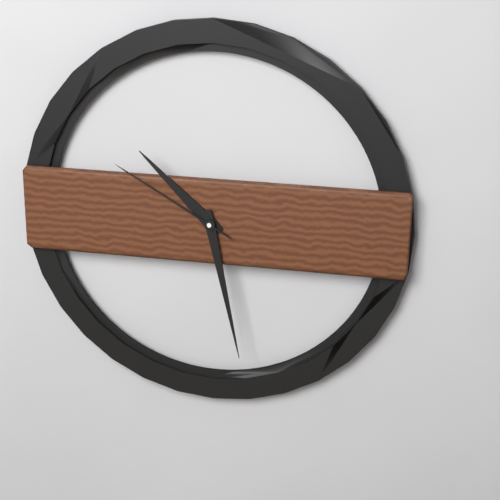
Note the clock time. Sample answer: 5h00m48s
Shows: 10h28m50s
